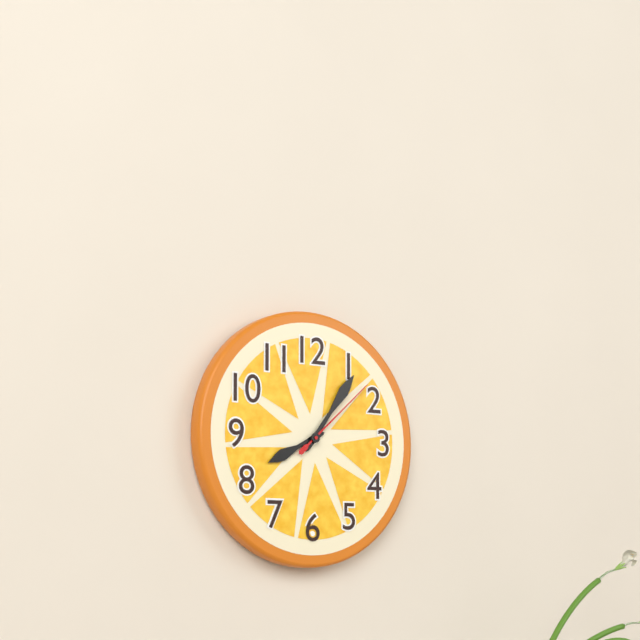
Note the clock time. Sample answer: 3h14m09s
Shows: 8h06m08s
